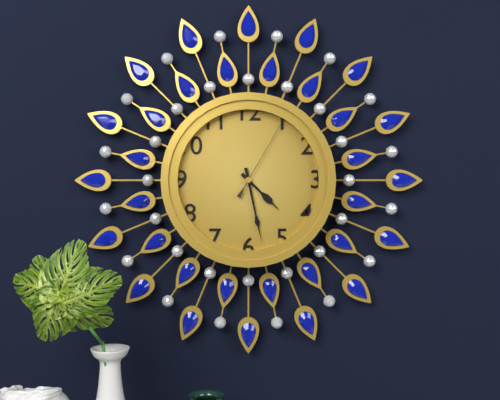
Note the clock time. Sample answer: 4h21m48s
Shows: 4h28m05s
